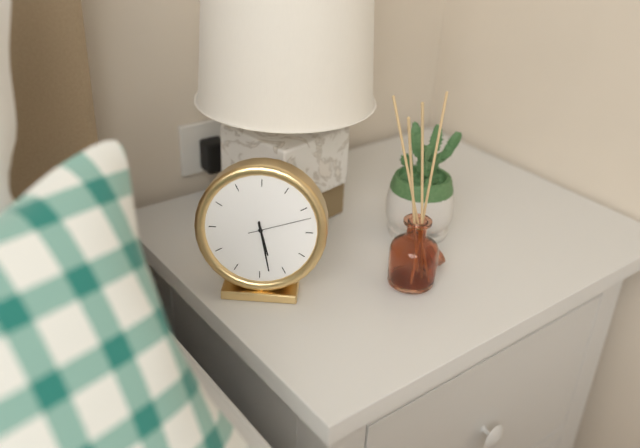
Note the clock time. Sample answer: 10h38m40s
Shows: 5h28m12s
